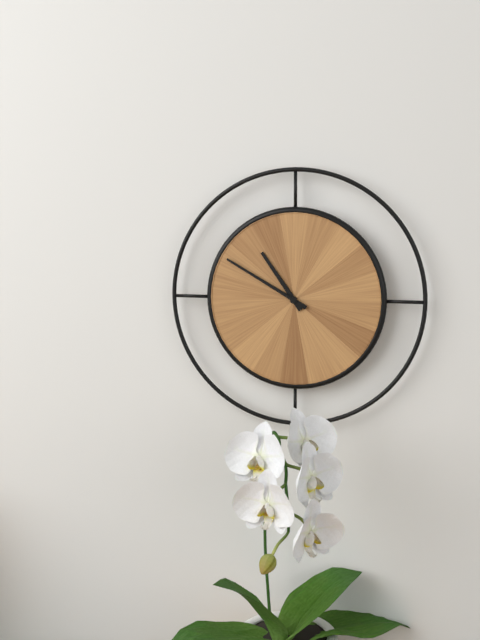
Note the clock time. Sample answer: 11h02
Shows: 10h50
